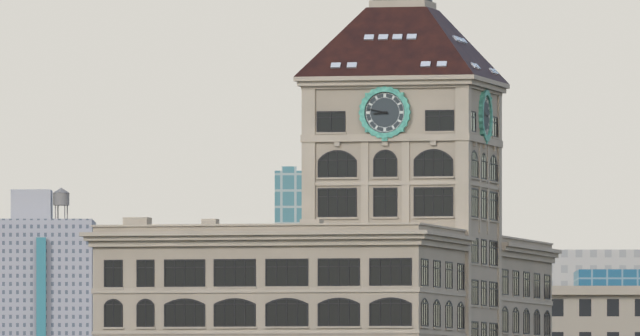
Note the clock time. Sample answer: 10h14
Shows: 8h47
